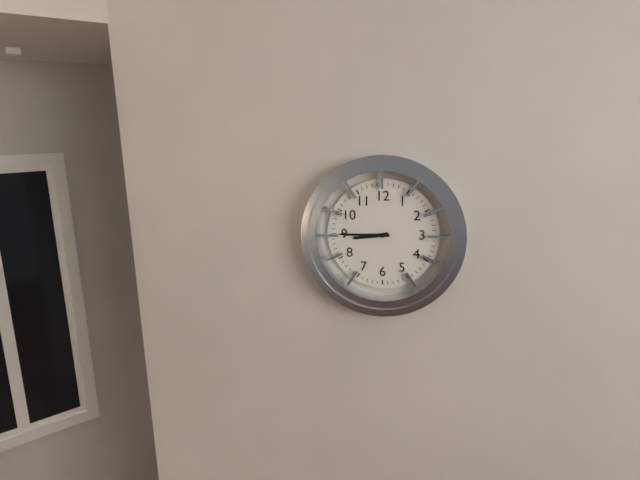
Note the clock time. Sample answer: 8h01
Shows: 8h45
